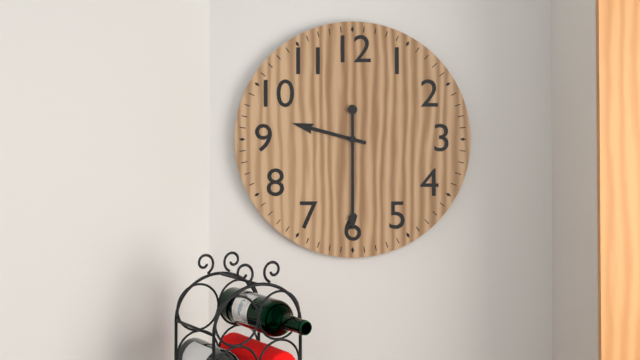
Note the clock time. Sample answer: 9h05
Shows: 9h30
